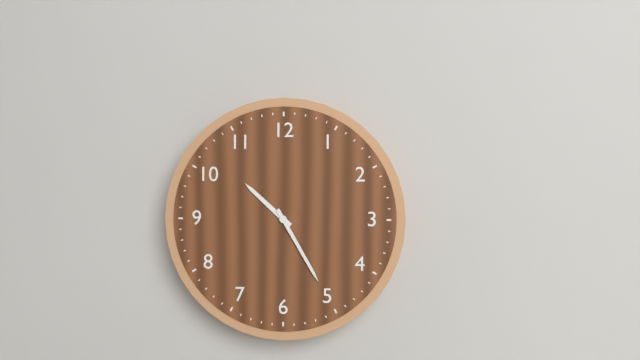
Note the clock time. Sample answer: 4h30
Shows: 10h25
